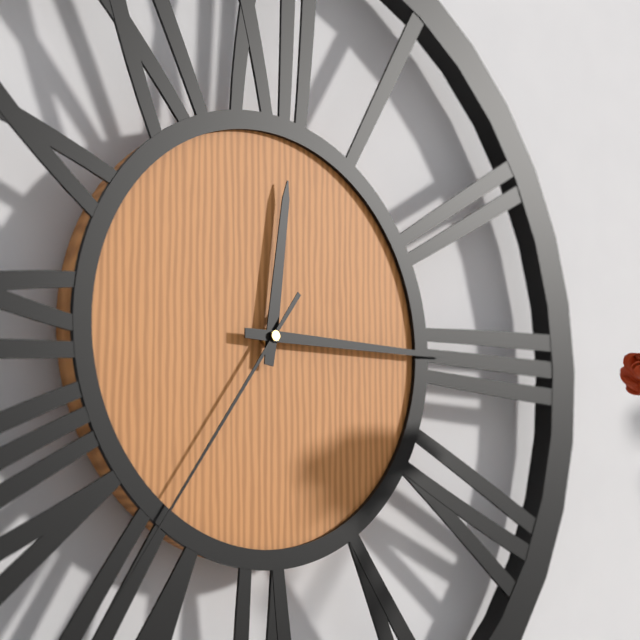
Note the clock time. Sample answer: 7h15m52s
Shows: 12h15m36s
